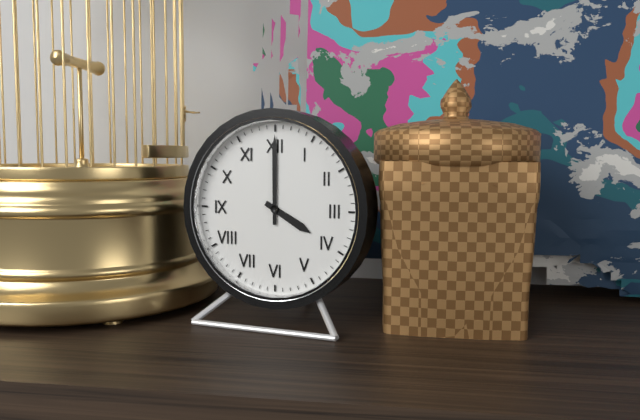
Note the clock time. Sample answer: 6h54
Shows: 4h00
